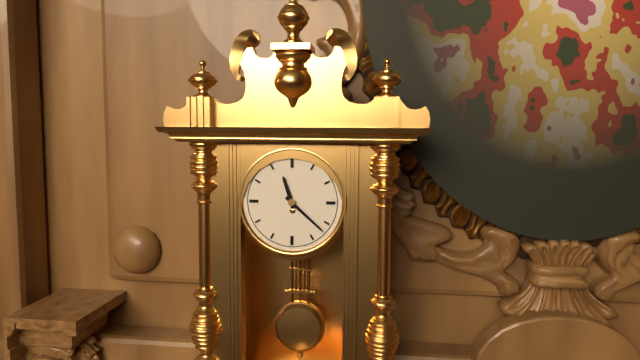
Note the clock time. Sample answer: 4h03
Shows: 11h22
